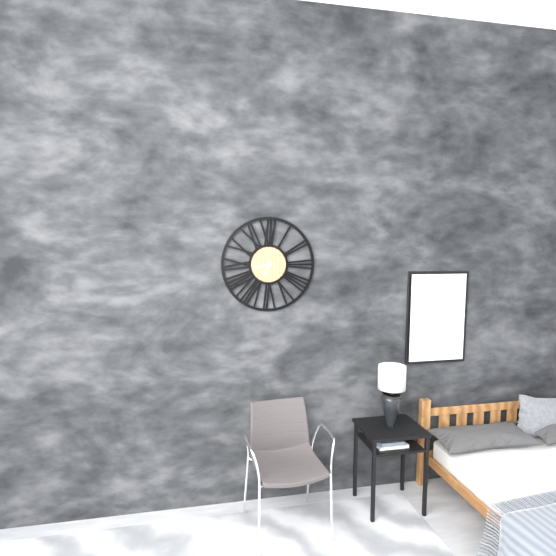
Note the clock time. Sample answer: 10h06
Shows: 6h43
